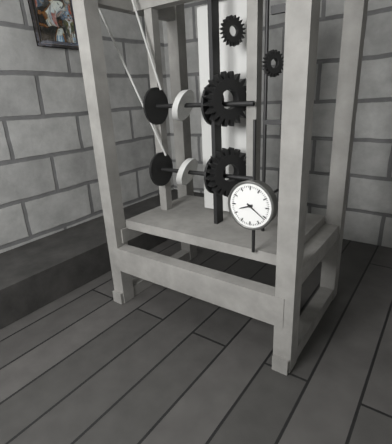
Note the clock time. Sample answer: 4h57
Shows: 8h21
